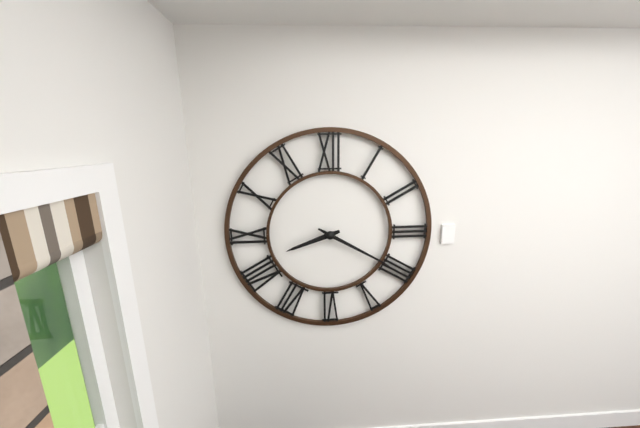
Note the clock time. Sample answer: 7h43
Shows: 8h20
